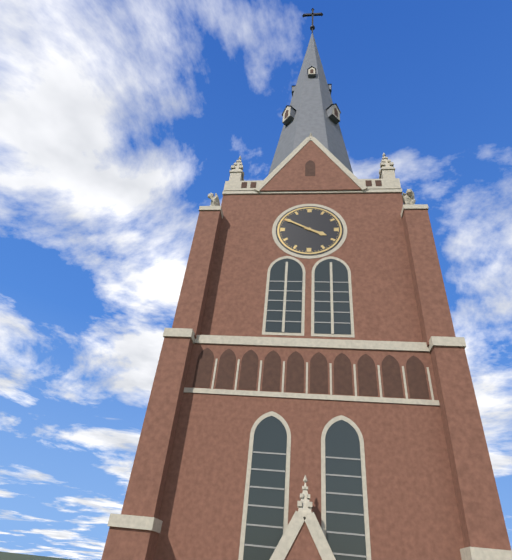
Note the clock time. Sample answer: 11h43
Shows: 3h50
